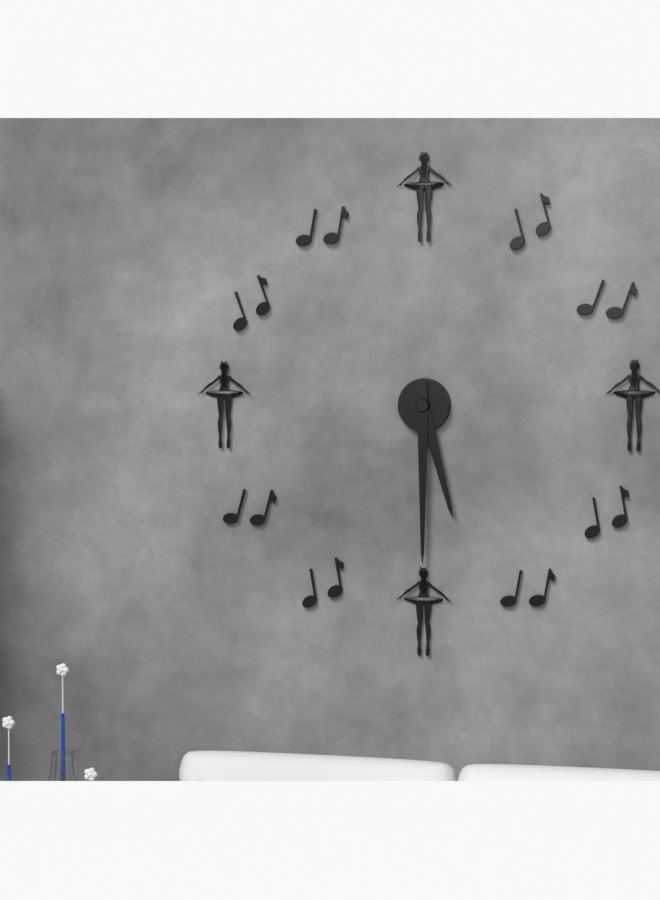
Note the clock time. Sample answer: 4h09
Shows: 5h30
